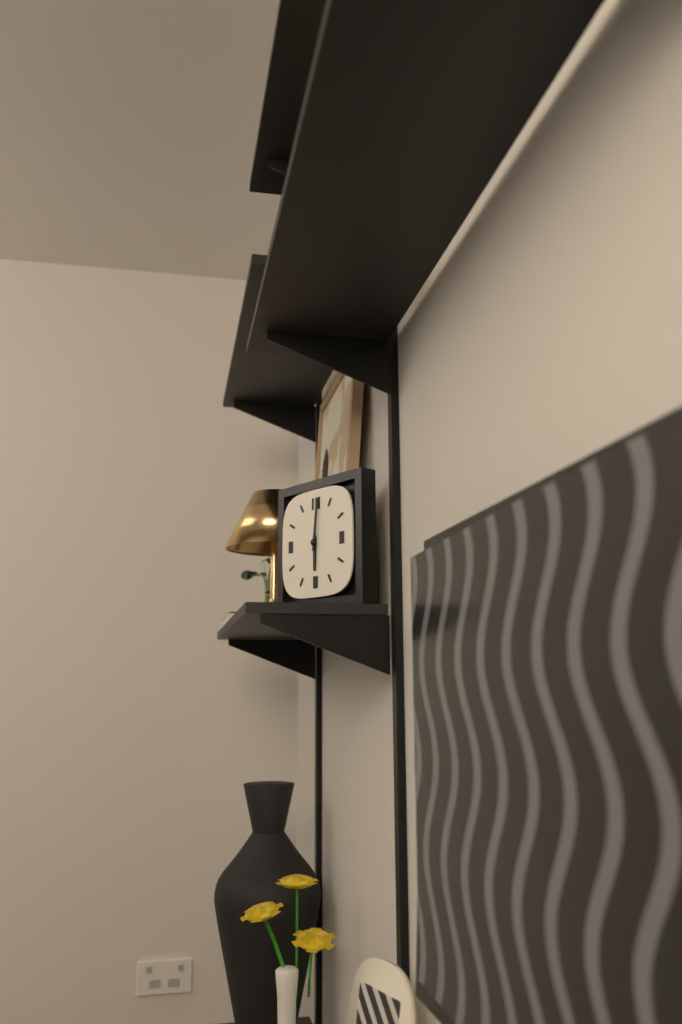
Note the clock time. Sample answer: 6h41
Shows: 6h01
